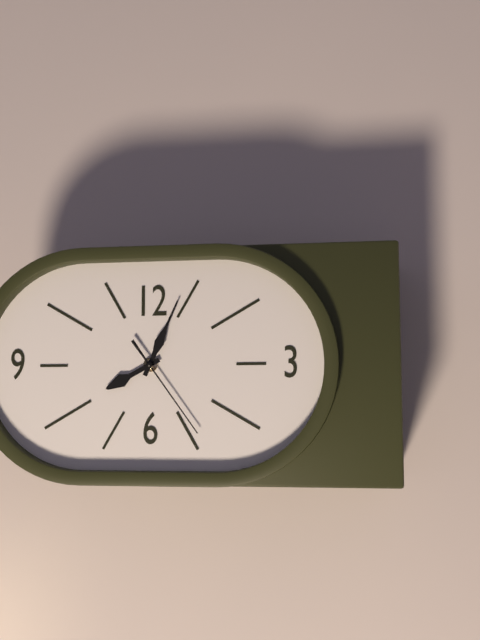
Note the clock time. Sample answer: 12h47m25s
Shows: 8h04m24s
